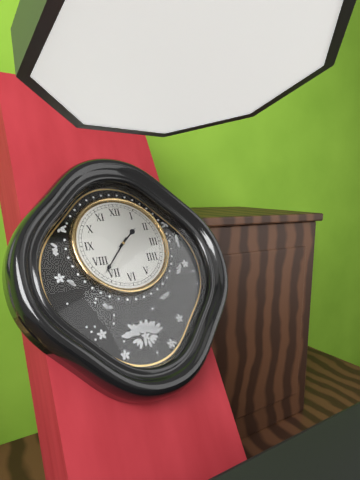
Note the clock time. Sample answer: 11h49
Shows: 1h37
